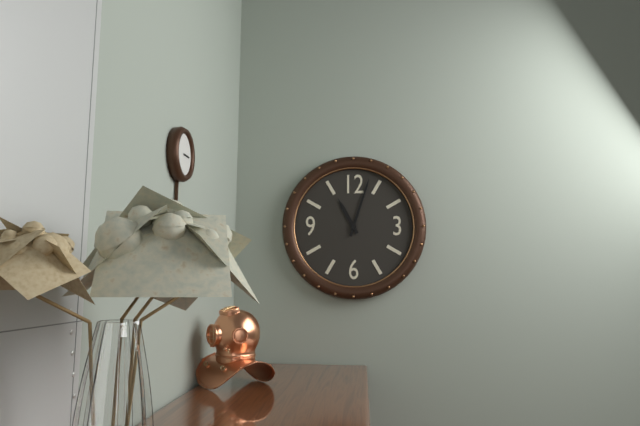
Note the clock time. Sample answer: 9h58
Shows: 11h03
